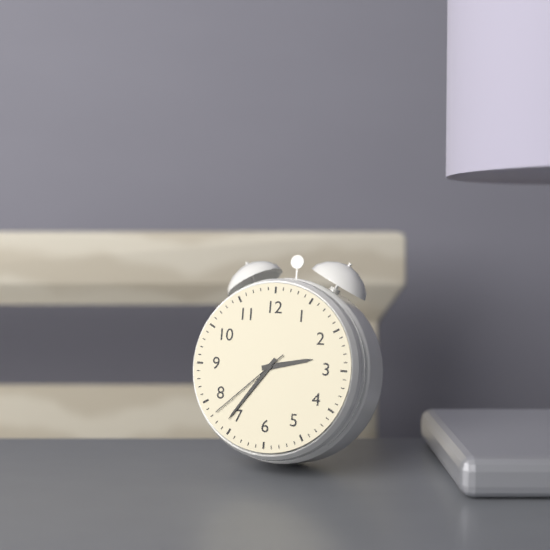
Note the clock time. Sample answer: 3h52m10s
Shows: 2h36m38s
